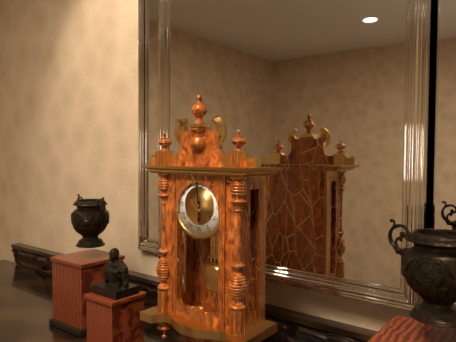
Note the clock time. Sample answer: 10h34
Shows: 5h59
